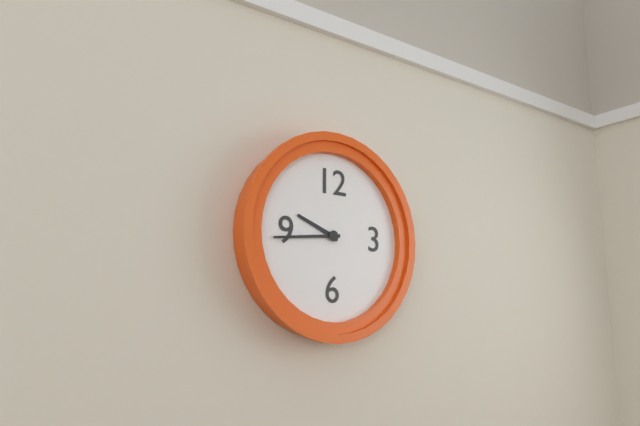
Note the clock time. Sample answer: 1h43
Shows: 9h44
